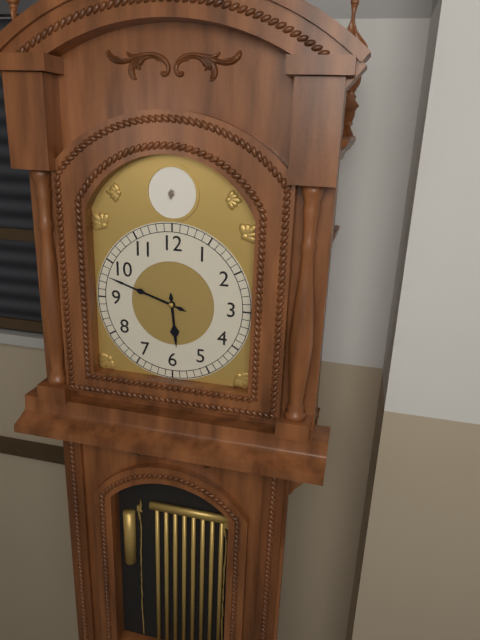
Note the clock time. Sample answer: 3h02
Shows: 5h48
